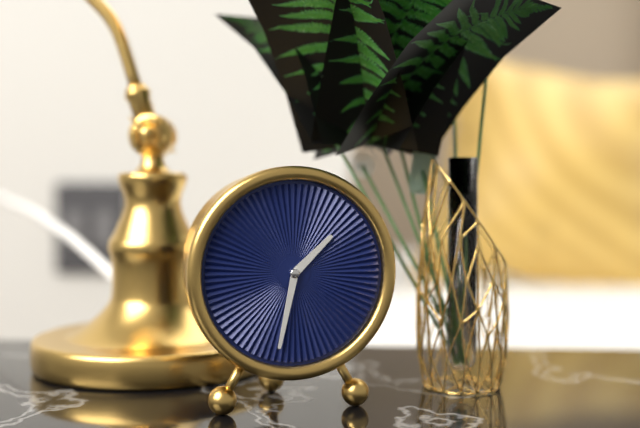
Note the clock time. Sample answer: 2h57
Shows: 1h32
